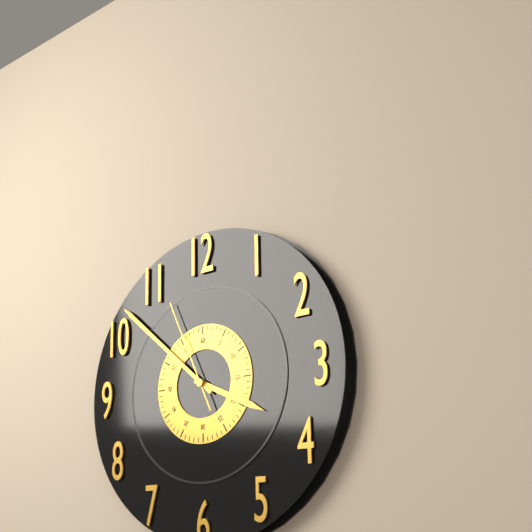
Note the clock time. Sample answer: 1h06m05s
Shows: 3h52m56s
